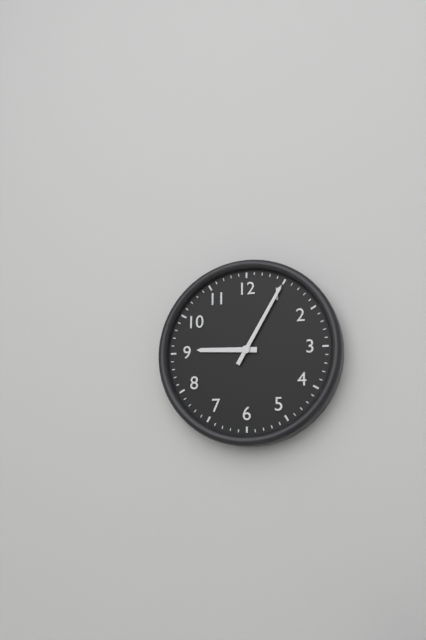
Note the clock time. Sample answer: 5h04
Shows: 9h05
